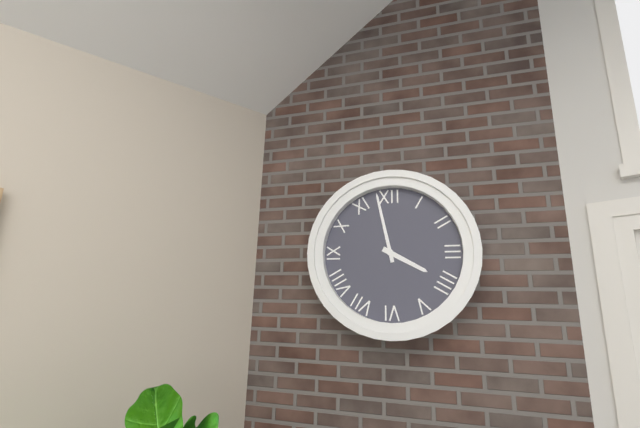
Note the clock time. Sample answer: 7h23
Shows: 3h58
